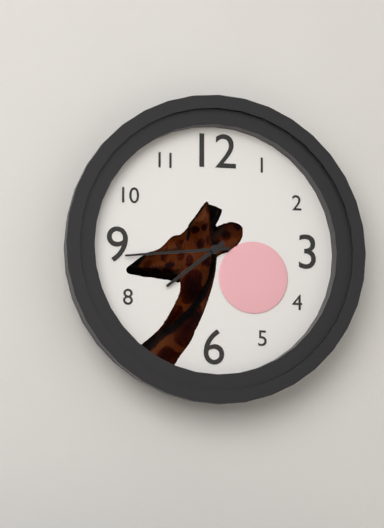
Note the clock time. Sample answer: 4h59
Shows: 7h44
